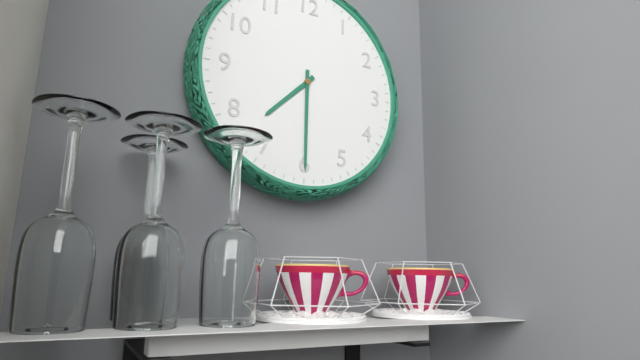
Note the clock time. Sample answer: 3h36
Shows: 7h30
